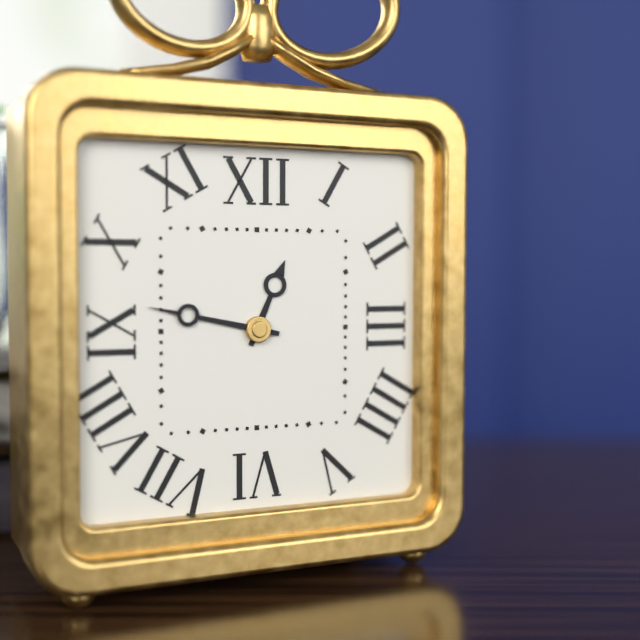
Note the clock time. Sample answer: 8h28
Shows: 12h47
